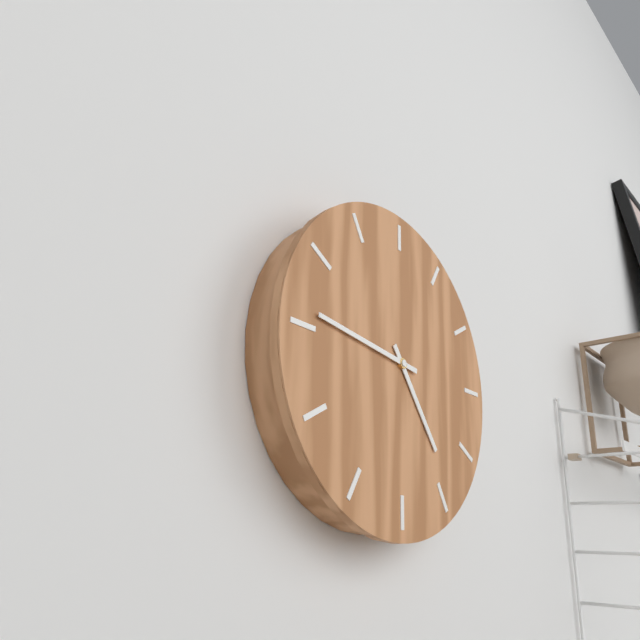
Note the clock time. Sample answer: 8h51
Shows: 4h46
